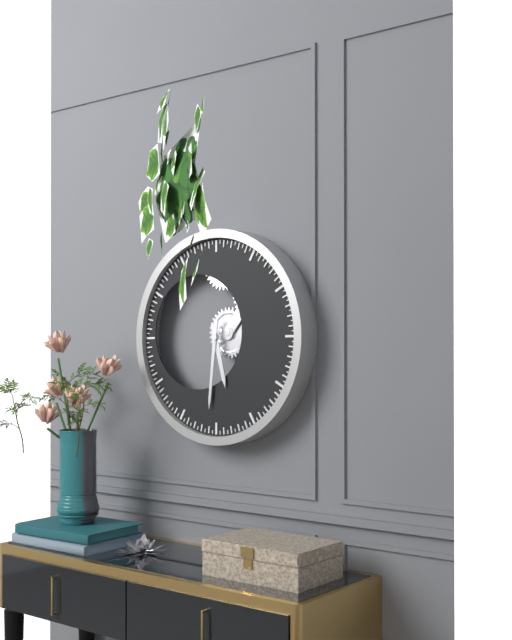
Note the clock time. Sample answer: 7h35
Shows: 5h31
